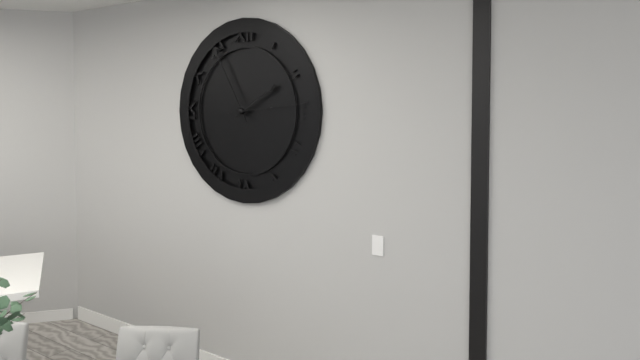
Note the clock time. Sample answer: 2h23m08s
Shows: 1h55m14s
